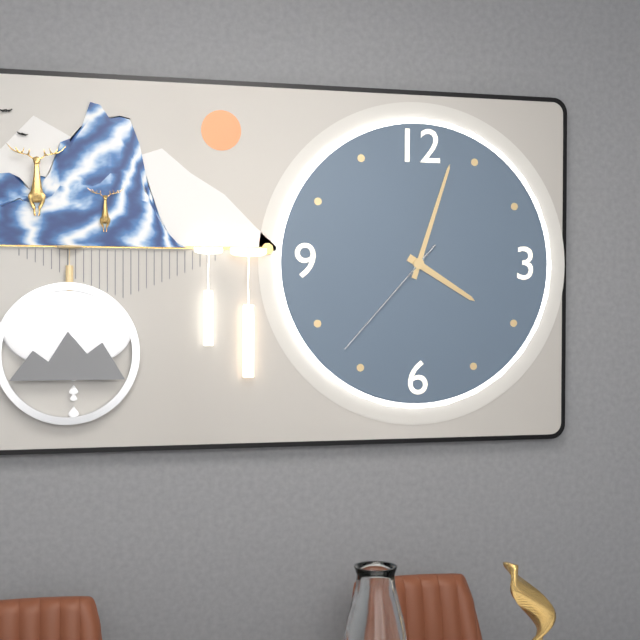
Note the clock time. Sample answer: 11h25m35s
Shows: 4h03m37s
